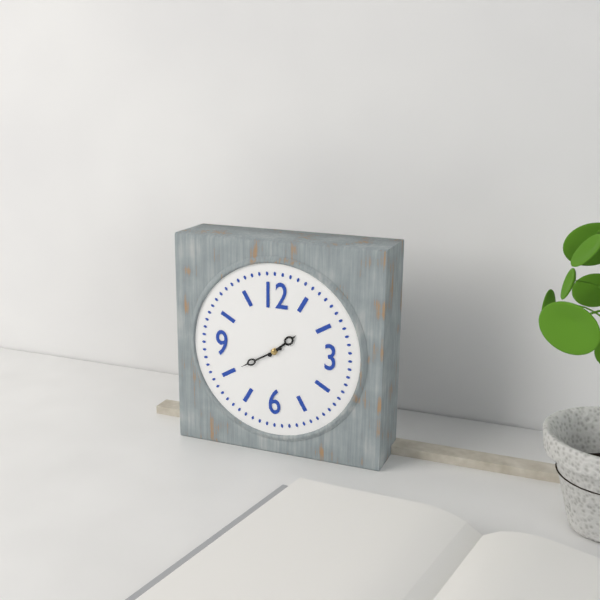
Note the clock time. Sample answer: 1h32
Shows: 1h40
